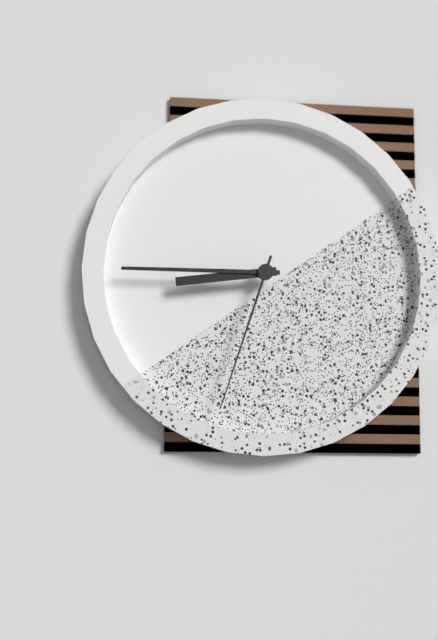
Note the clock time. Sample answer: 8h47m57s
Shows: 8h45m33s
